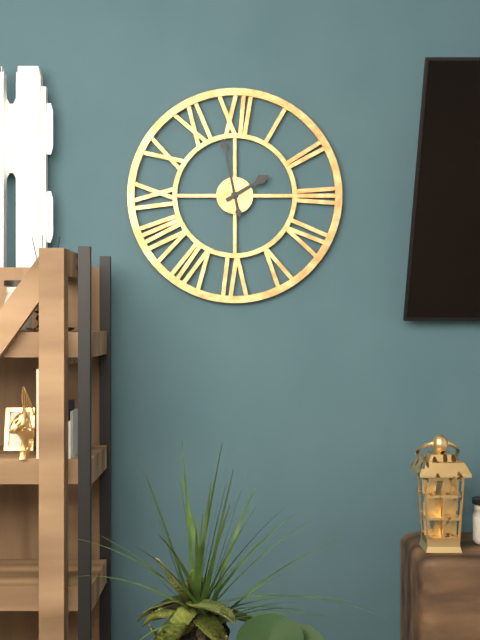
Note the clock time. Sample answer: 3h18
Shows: 1h58
